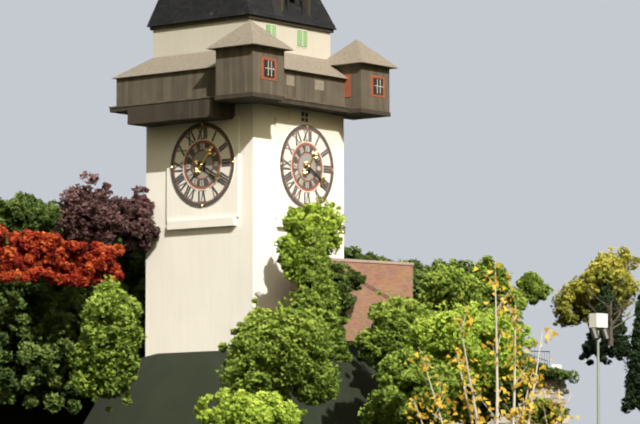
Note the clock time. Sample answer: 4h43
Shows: 1h20
